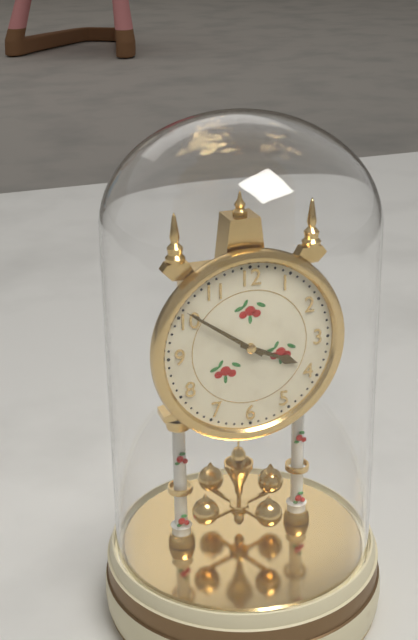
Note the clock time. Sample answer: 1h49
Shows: 3h51
